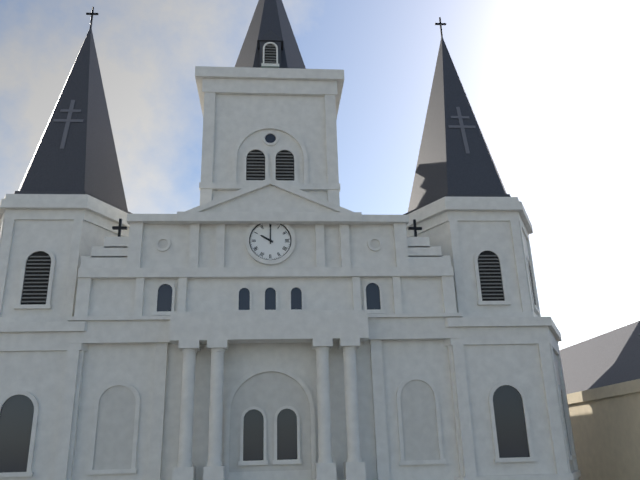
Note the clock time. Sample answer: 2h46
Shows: 10h00
